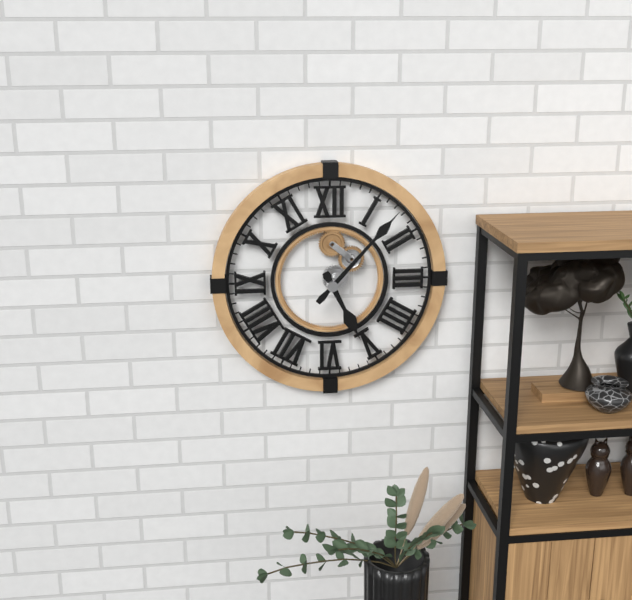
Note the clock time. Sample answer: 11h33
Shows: 5h07
